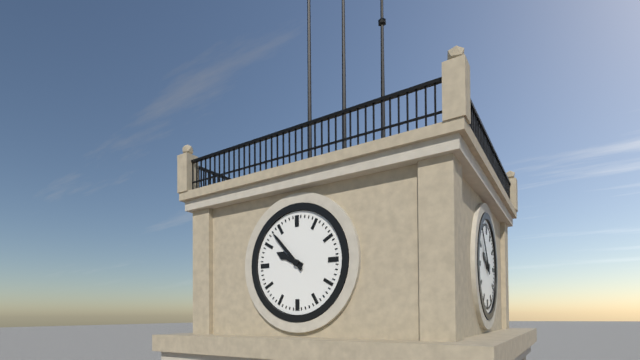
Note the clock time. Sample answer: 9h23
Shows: 9h53
